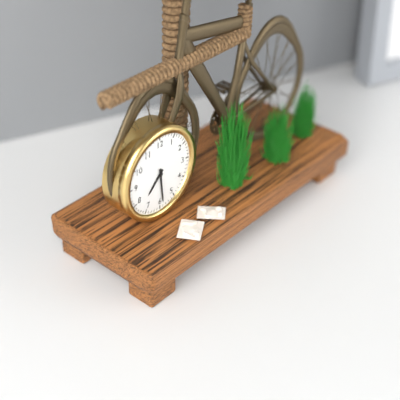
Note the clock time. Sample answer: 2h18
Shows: 7h29
